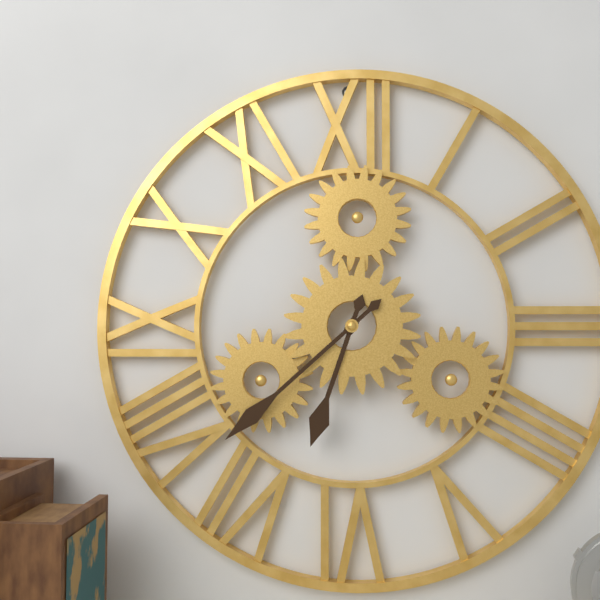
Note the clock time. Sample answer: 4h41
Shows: 6h38
